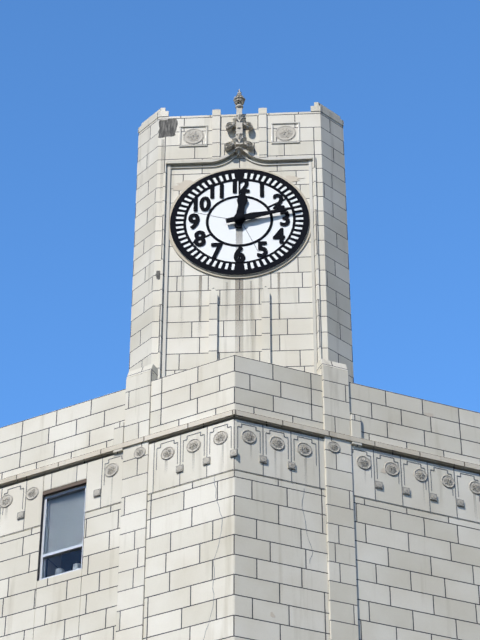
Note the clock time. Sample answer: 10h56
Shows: 12h13
